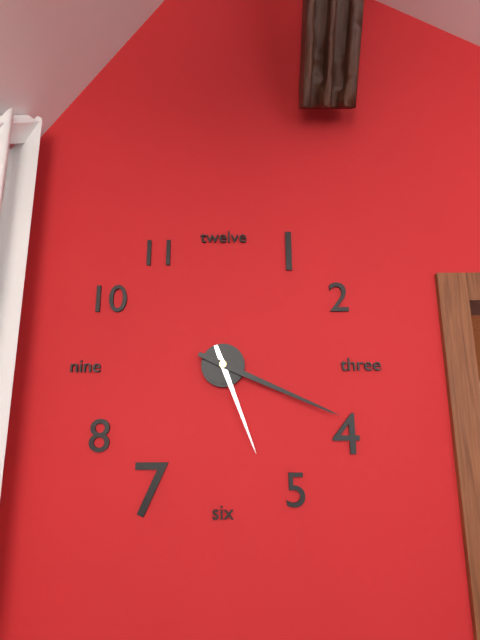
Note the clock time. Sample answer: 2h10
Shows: 5h19
